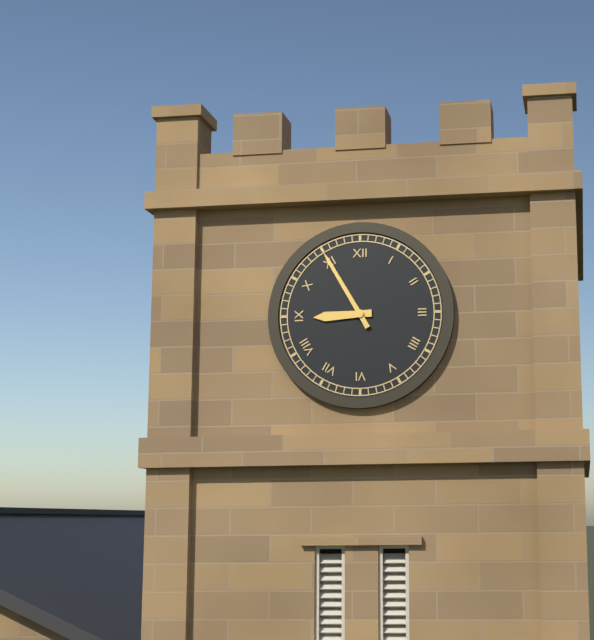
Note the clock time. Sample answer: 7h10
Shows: 8h55
